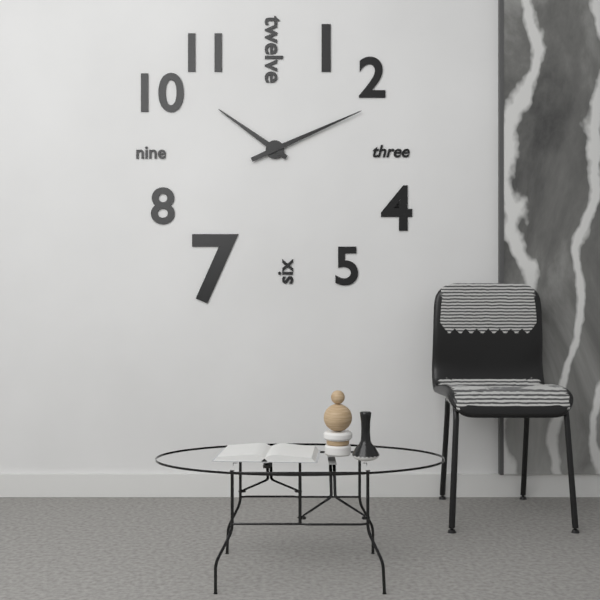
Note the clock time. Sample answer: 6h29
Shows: 10h11
